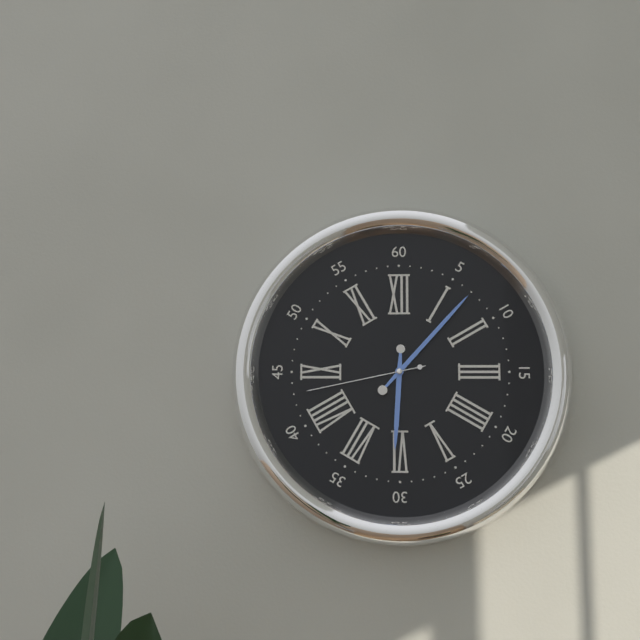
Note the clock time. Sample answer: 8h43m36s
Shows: 6h07m43s
